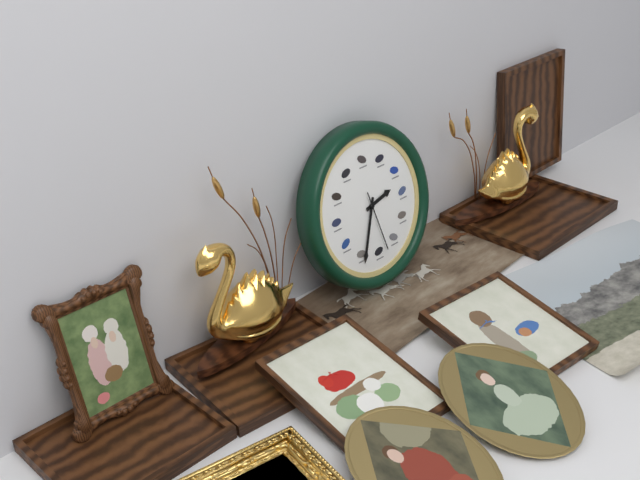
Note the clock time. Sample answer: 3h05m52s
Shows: 2h34m28s
